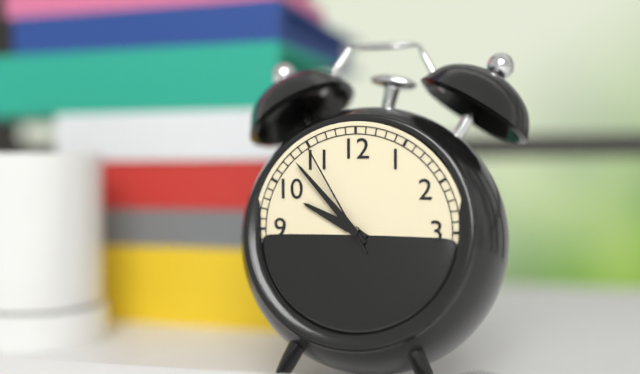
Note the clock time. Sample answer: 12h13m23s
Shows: 9h53m55s
